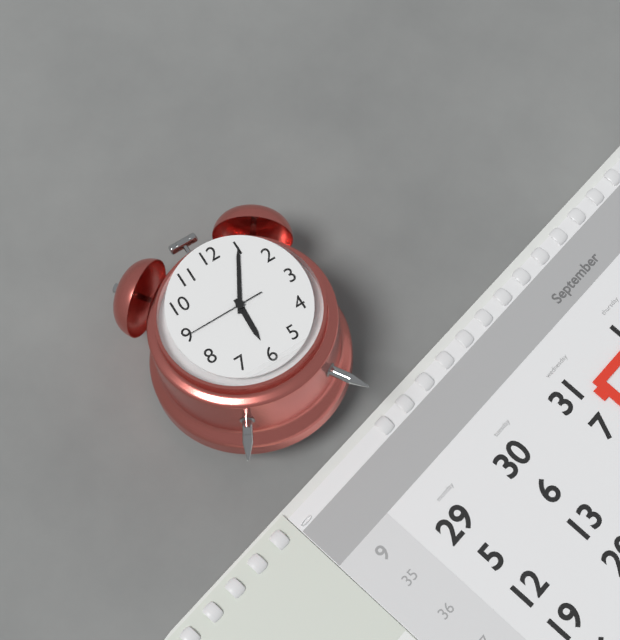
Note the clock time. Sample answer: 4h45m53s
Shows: 6h05m45s
